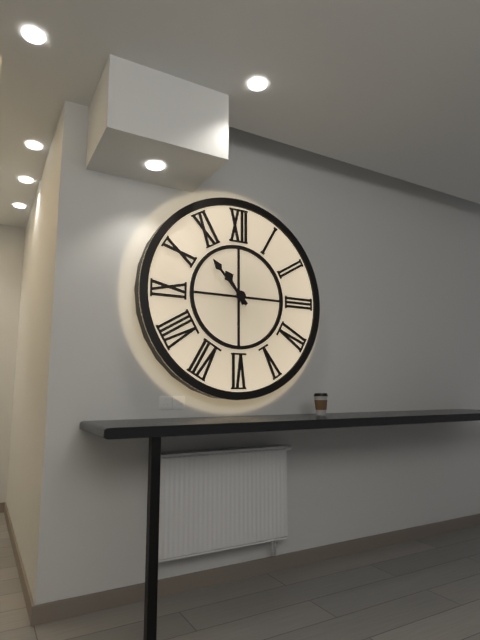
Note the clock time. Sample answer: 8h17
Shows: 10h53
